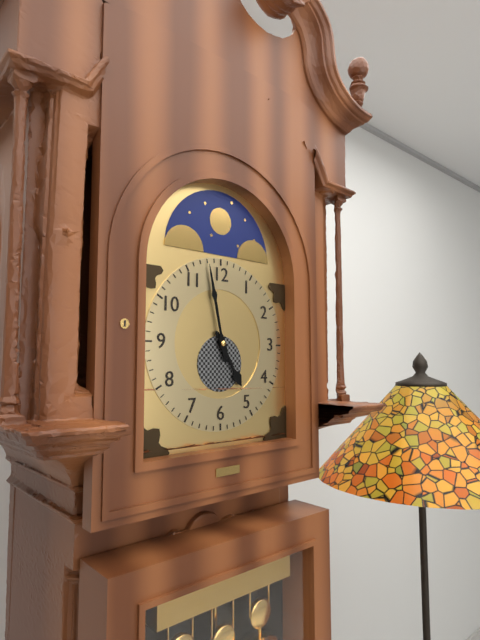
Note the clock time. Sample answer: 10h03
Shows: 4h58
